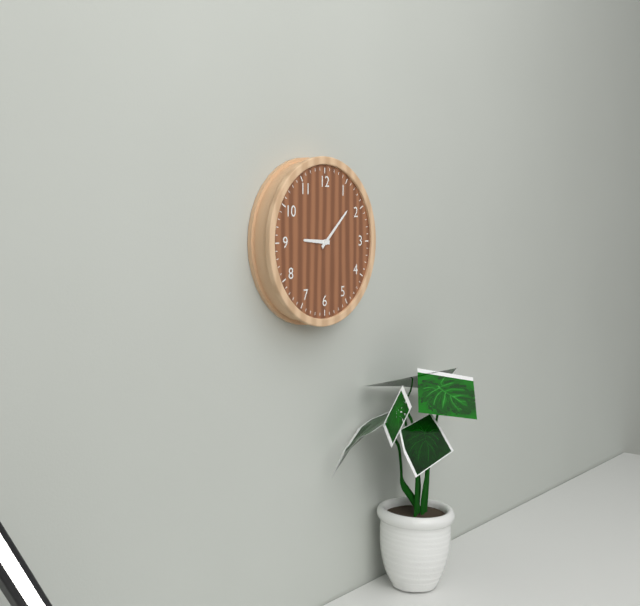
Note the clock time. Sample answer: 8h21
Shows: 9h08
